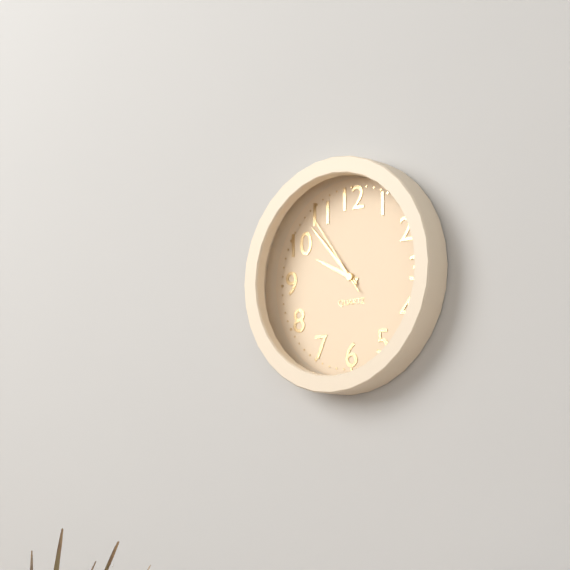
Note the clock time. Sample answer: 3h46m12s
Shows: 9h53m54s
